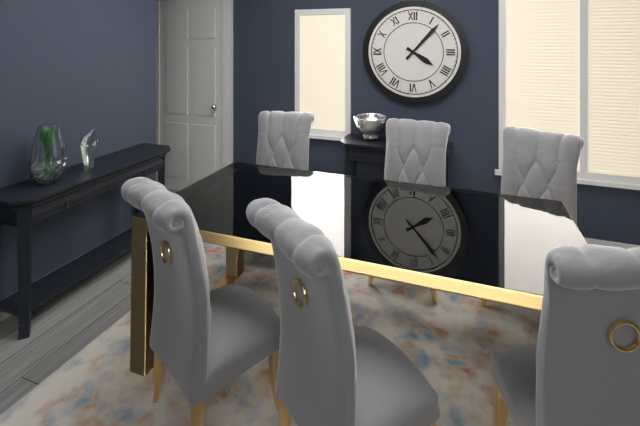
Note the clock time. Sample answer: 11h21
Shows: 4h07
